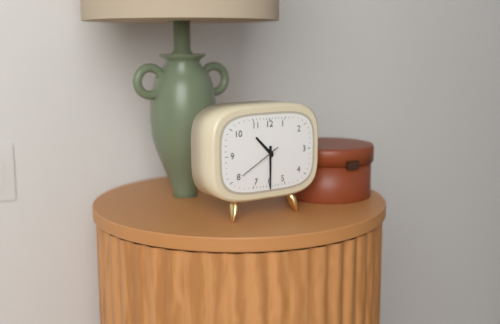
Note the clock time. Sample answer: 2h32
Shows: 10h30
